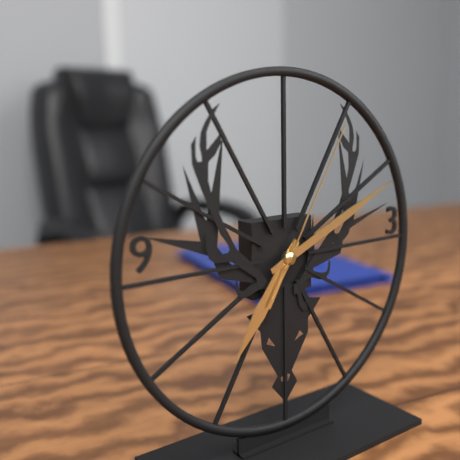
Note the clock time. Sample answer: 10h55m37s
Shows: 7h11m05s
